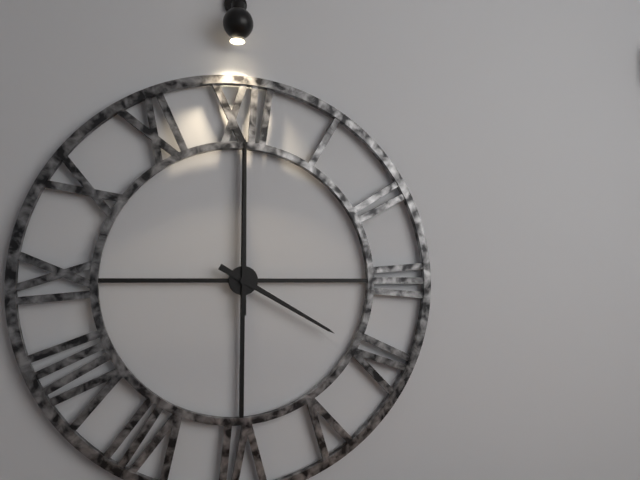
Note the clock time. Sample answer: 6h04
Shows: 4h00
